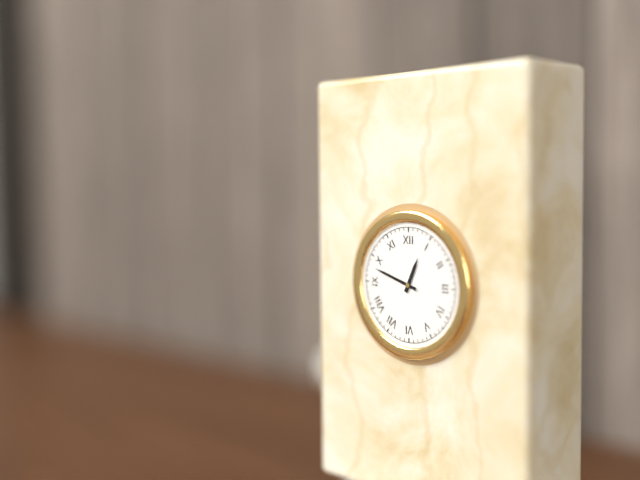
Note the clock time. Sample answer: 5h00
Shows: 12h48
